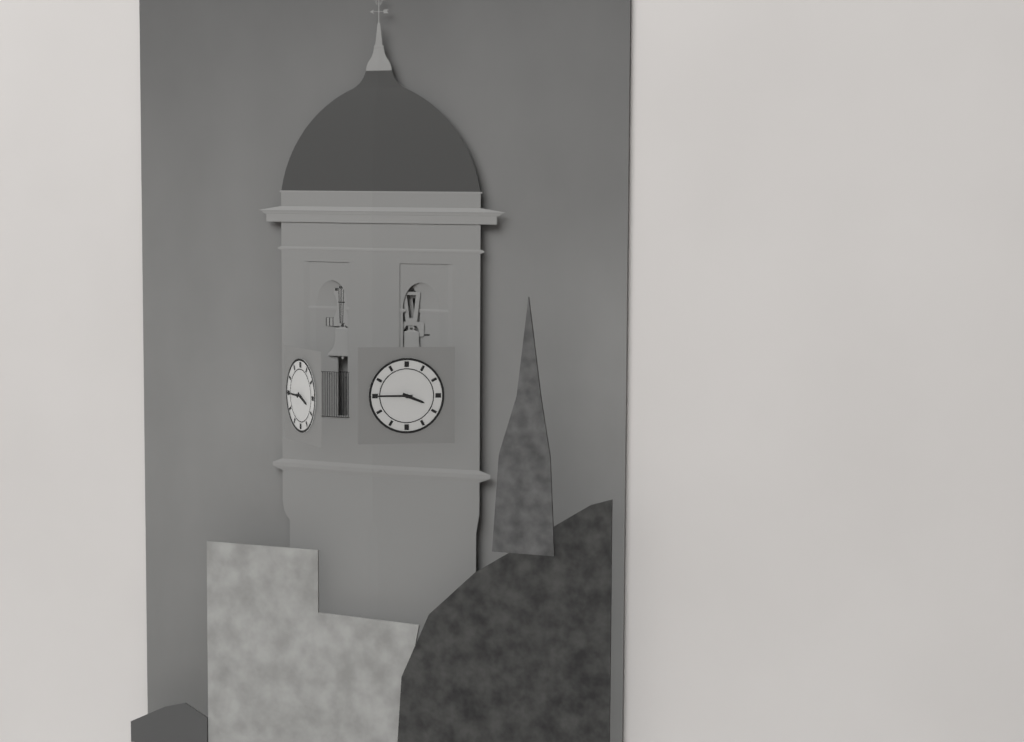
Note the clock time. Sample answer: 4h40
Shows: 3h45
